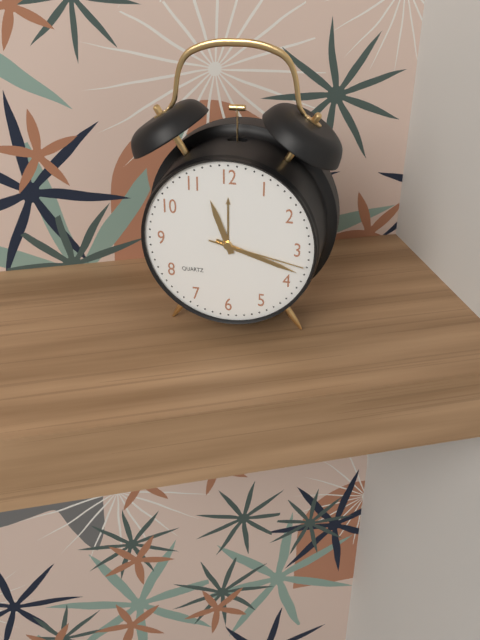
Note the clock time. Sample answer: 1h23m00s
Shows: 11h18m17s
